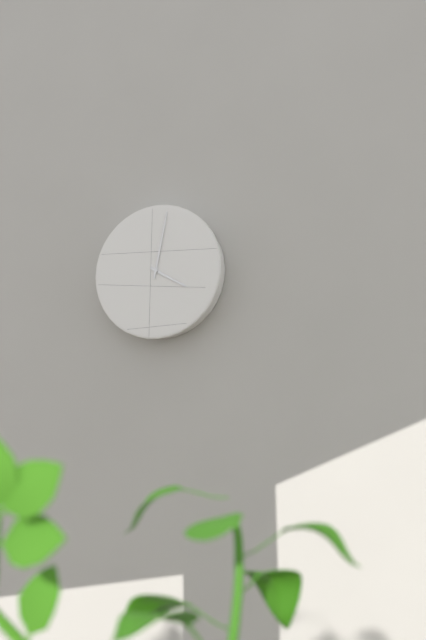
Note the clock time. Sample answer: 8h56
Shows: 4h02
